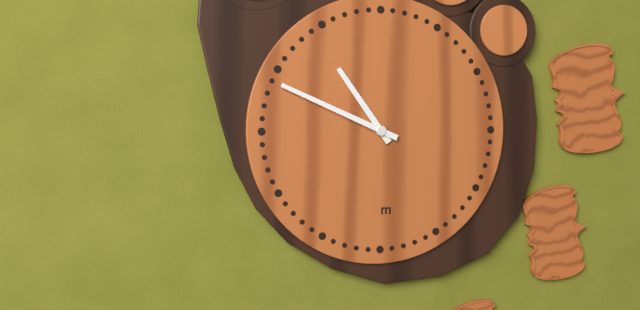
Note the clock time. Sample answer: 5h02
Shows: 10h49
